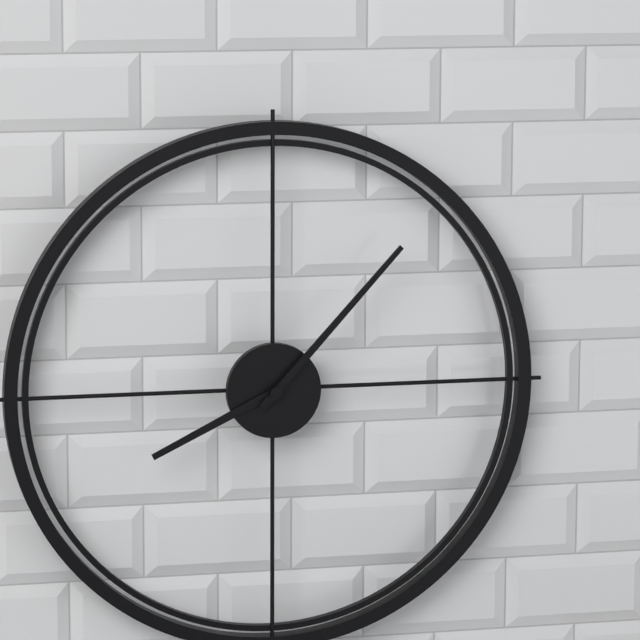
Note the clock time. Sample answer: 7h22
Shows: 8h07
